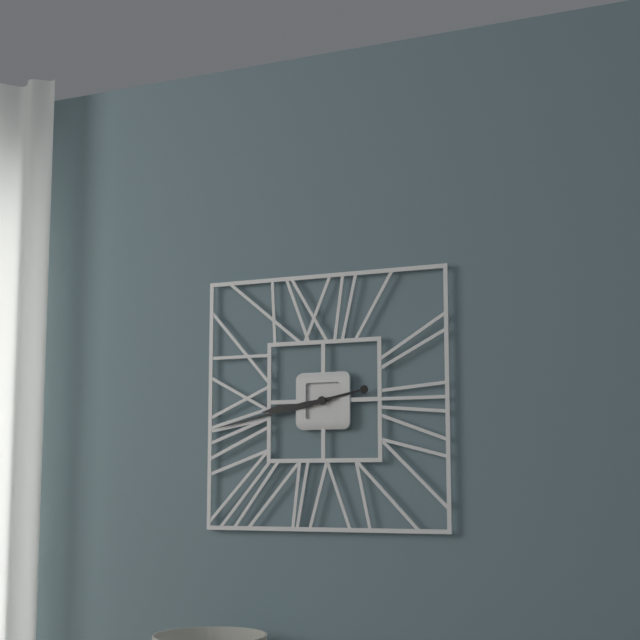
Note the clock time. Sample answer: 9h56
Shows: 8h43
